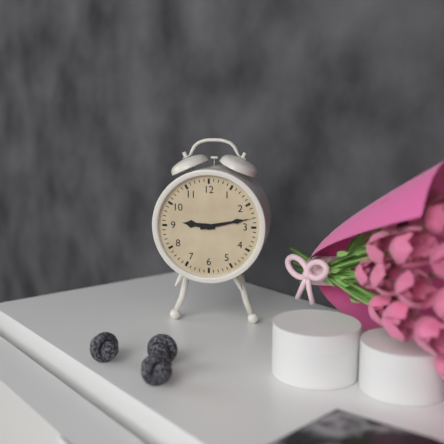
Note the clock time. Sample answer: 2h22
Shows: 9h13
